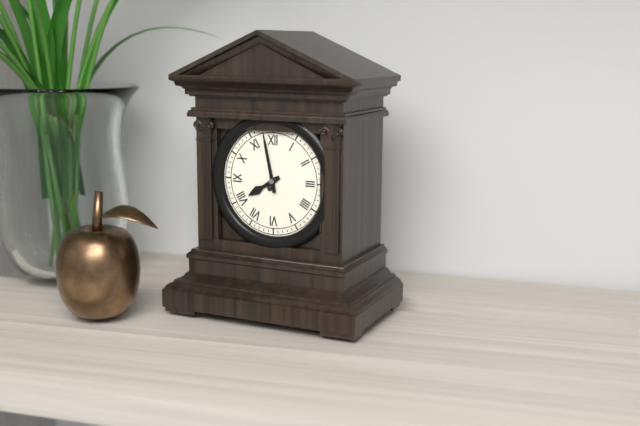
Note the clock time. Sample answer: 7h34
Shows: 7h58
